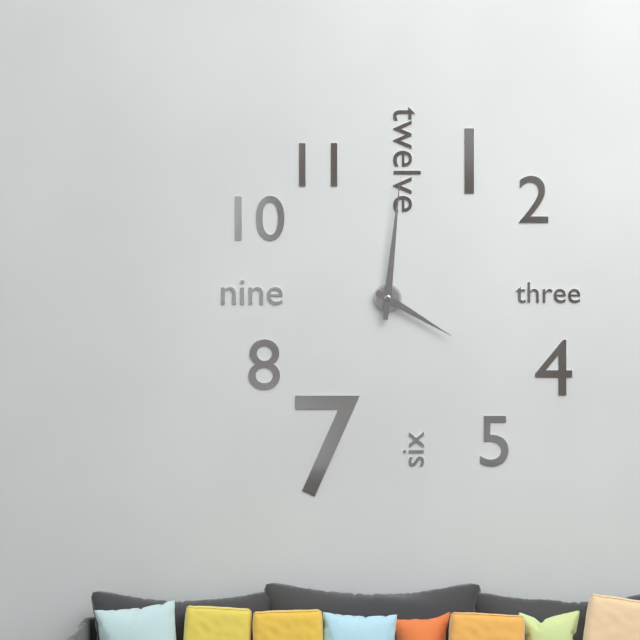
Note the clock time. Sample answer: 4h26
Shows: 4h01
